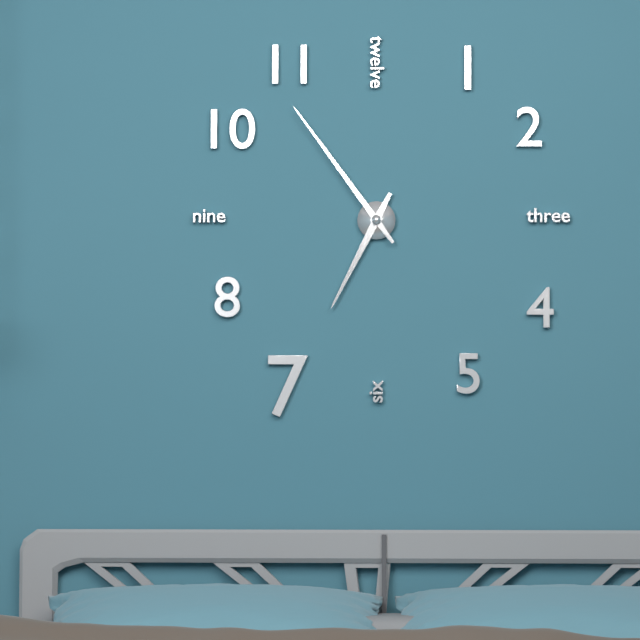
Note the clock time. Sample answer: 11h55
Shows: 6h54
